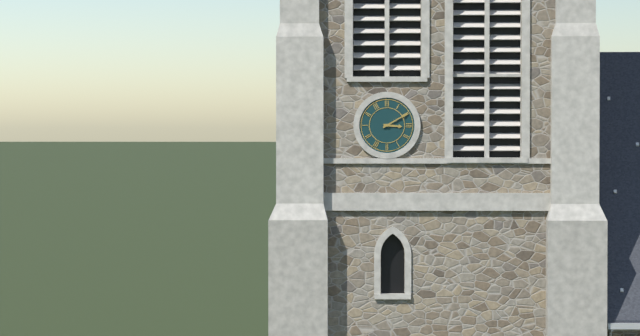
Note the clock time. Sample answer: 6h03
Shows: 3h10
